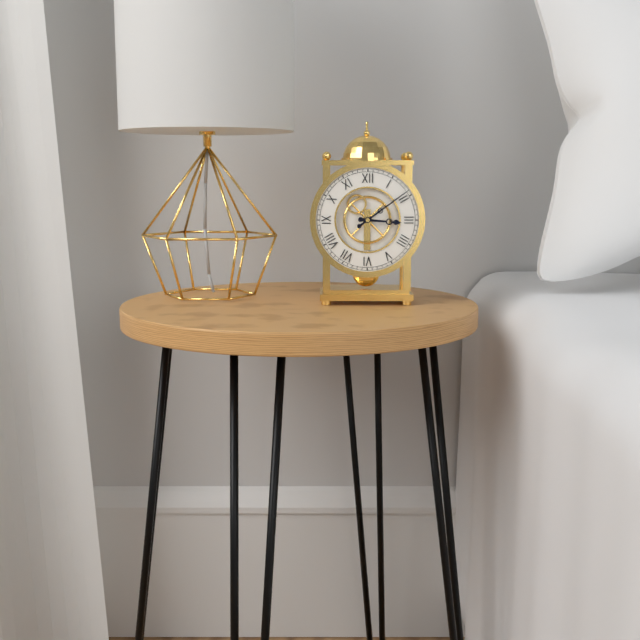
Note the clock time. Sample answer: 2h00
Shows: 3h09
